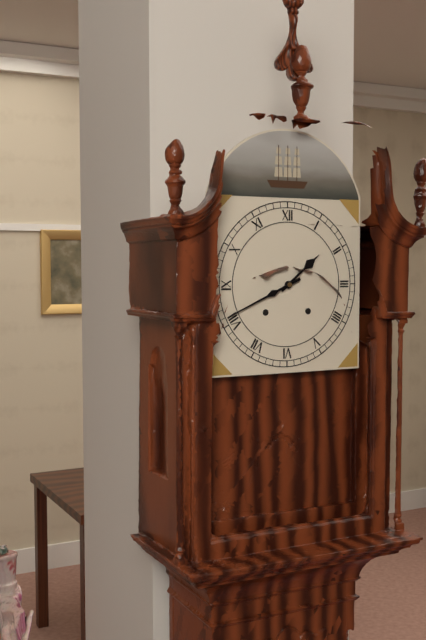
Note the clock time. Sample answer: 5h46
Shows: 1h41
